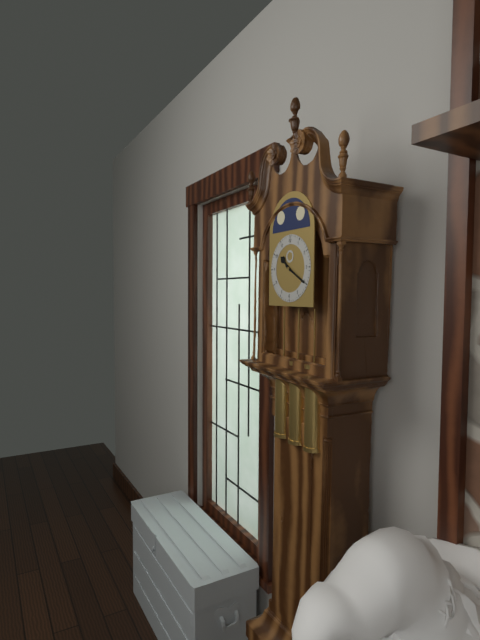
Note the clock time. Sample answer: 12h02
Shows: 10h20
